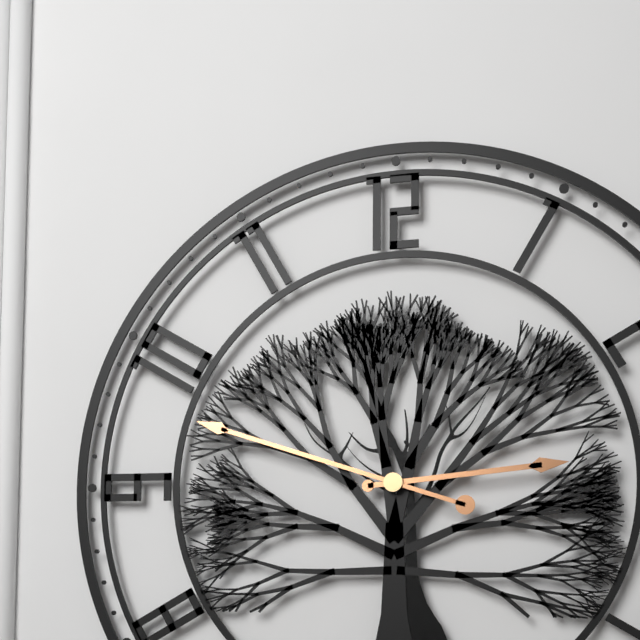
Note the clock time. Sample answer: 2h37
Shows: 2h48
